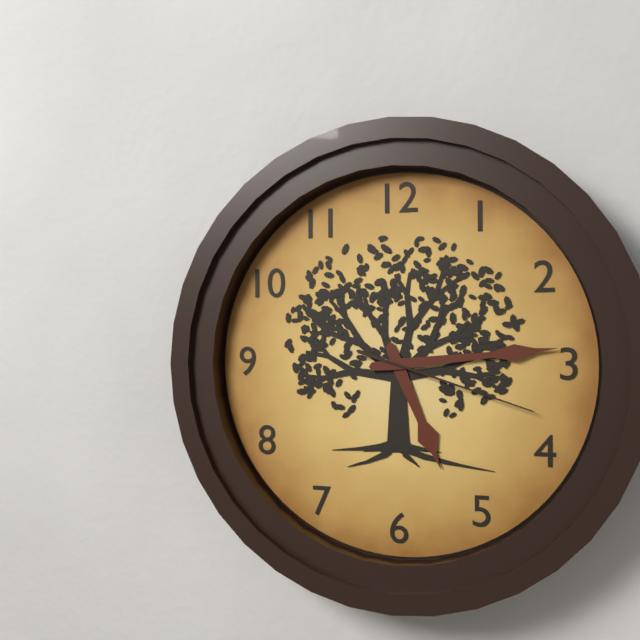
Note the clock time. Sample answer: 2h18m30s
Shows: 5h14m18s
